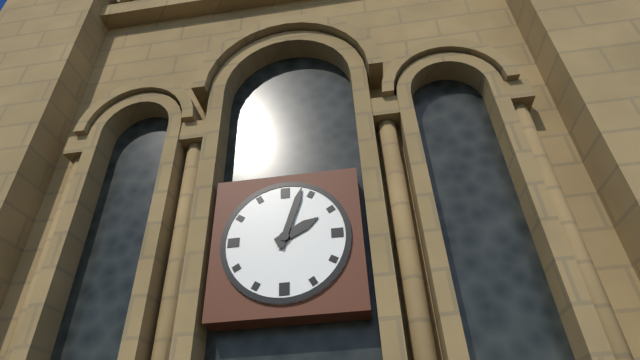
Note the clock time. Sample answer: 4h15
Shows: 2h03
